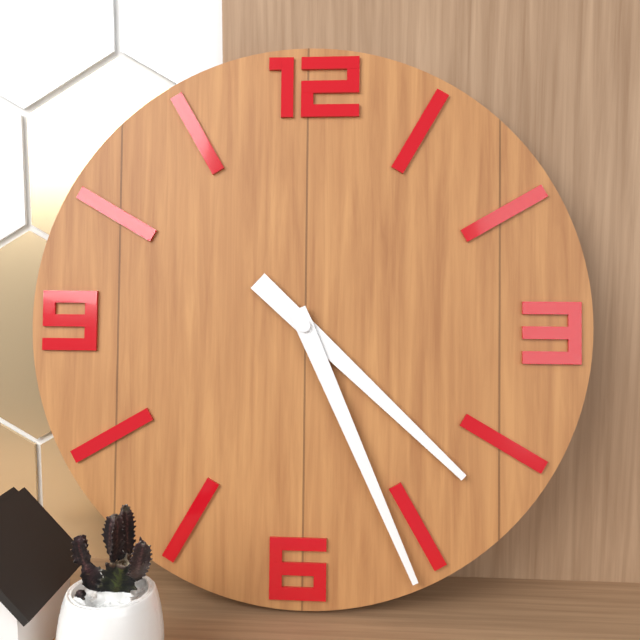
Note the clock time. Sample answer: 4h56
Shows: 4h26
